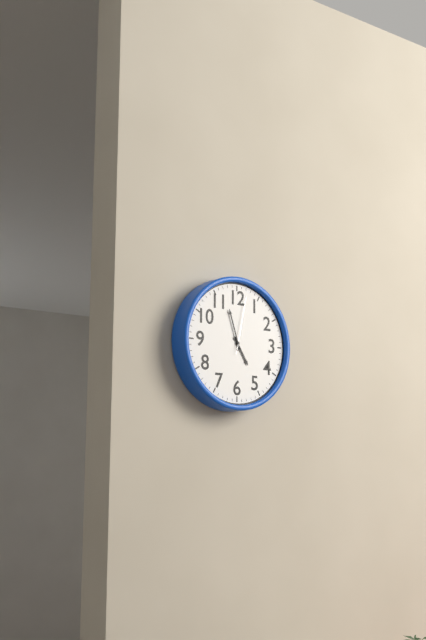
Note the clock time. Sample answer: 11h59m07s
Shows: 4h57m02s
